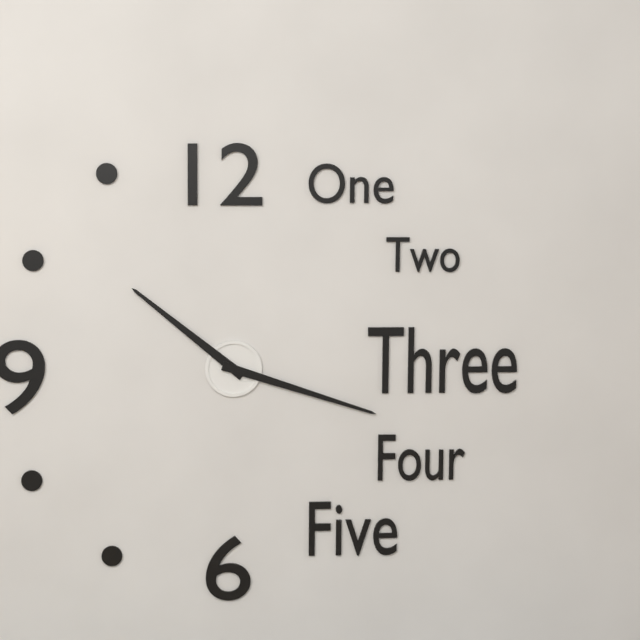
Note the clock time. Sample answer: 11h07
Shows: 10h18
